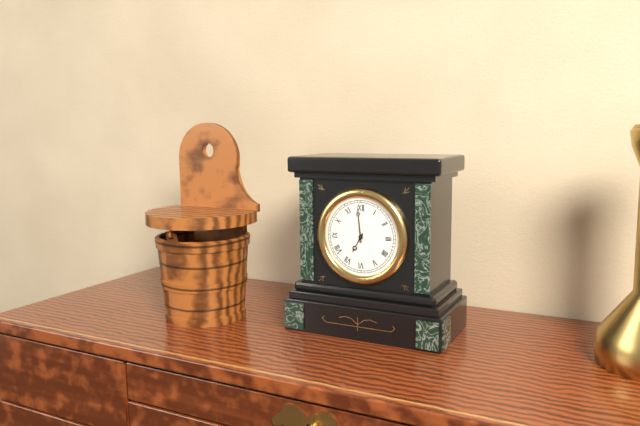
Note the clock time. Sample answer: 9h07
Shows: 6h59
